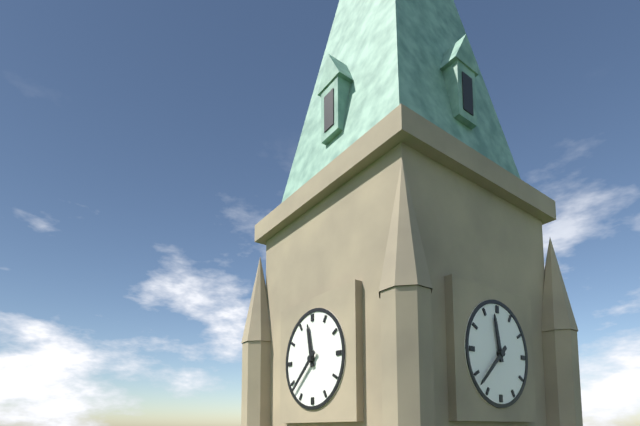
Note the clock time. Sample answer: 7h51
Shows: 11h38
